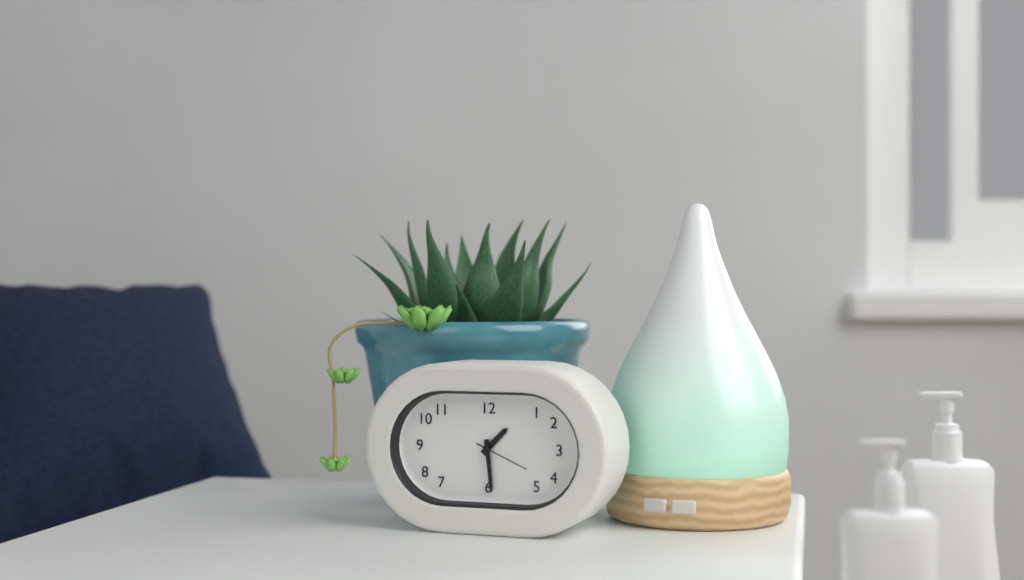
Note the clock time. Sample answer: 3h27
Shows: 1h29
